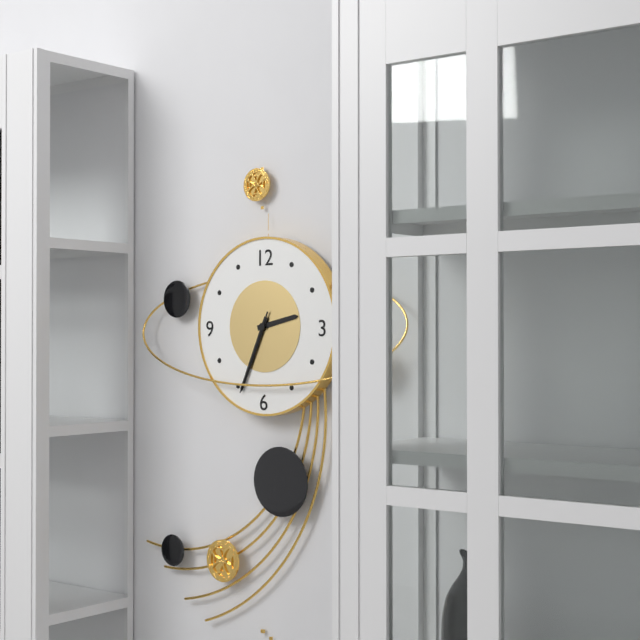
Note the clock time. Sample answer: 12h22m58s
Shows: 2h34m34s
